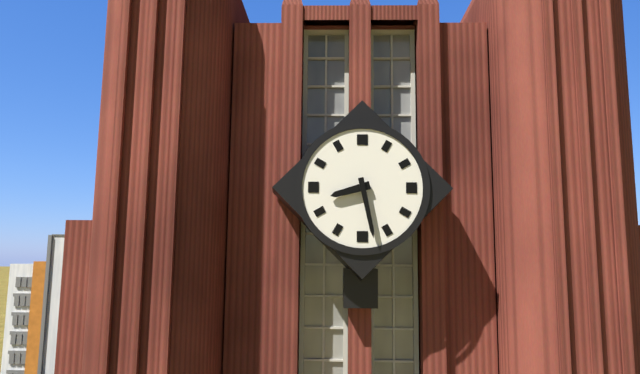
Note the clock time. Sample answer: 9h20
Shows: 8h28
